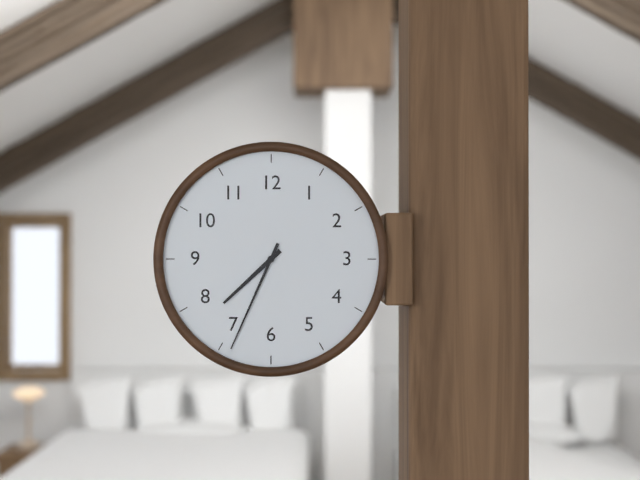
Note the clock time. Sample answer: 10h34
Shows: 7h34
